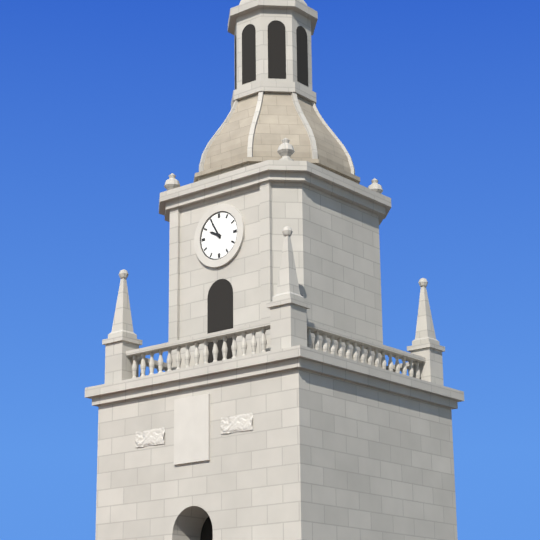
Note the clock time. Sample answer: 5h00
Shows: 9h55
